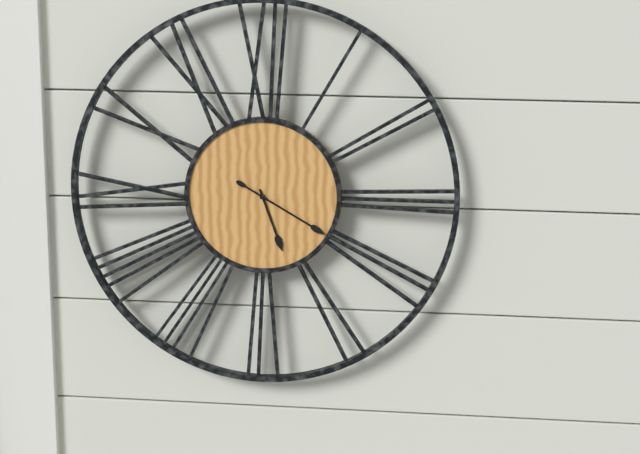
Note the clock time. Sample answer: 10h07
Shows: 5h20
